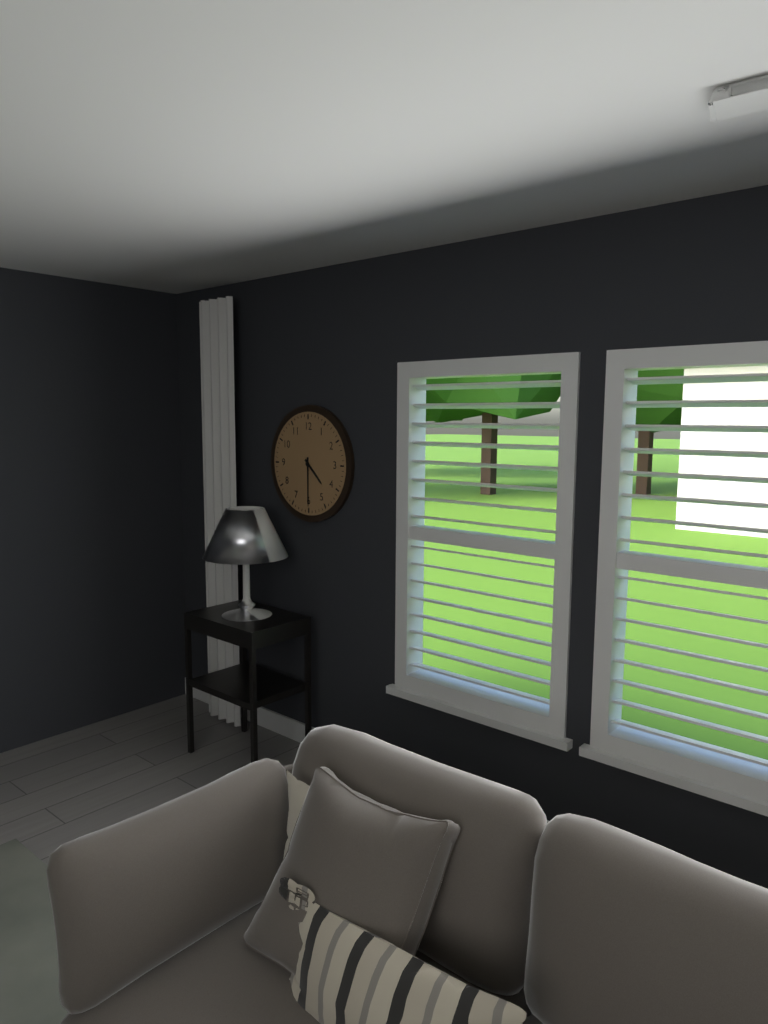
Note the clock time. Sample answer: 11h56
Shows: 4h30
